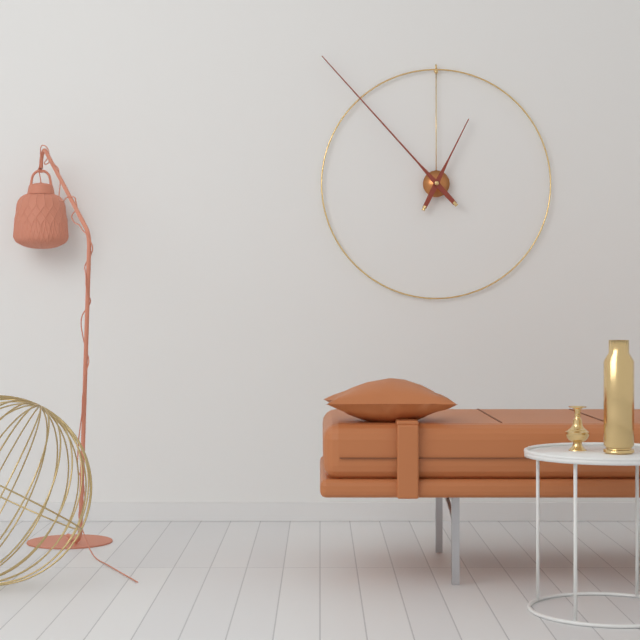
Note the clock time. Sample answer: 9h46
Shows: 12h53
